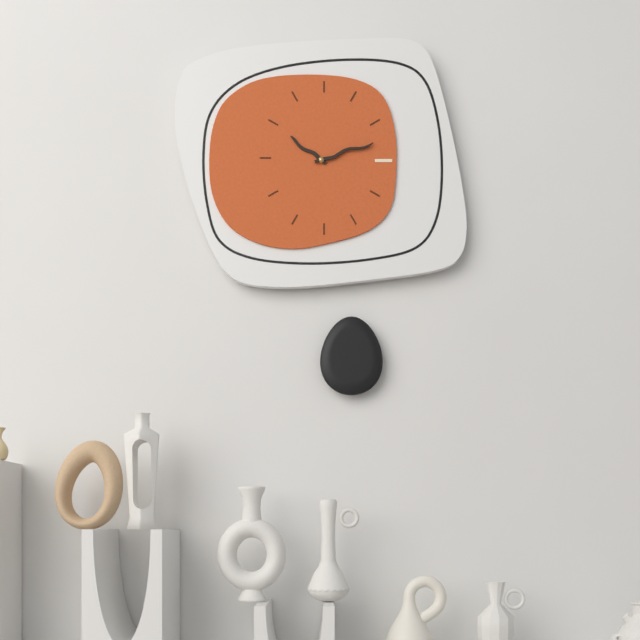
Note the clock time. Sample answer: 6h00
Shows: 10h12
